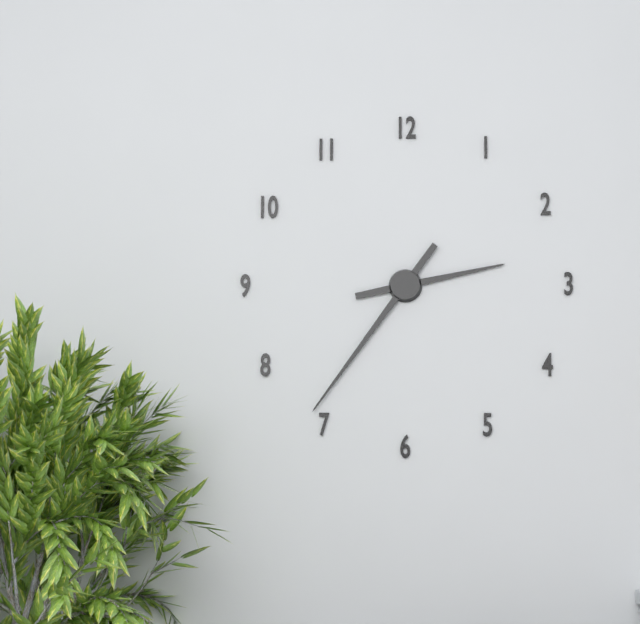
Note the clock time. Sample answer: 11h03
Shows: 2h36
